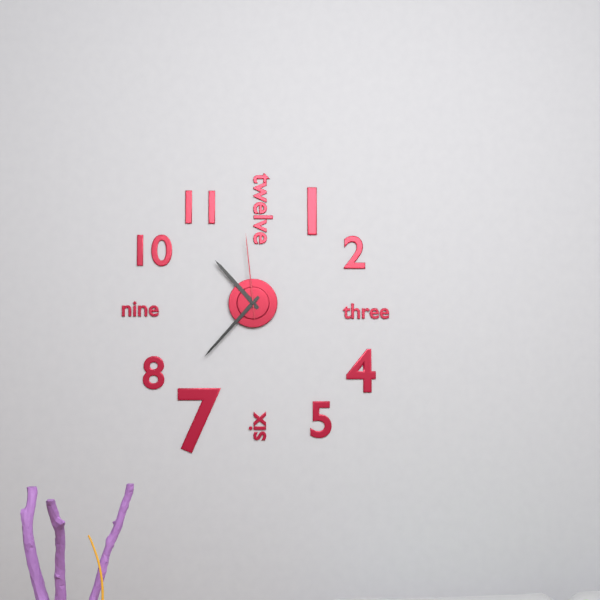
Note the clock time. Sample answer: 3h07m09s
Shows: 10h37m59s
